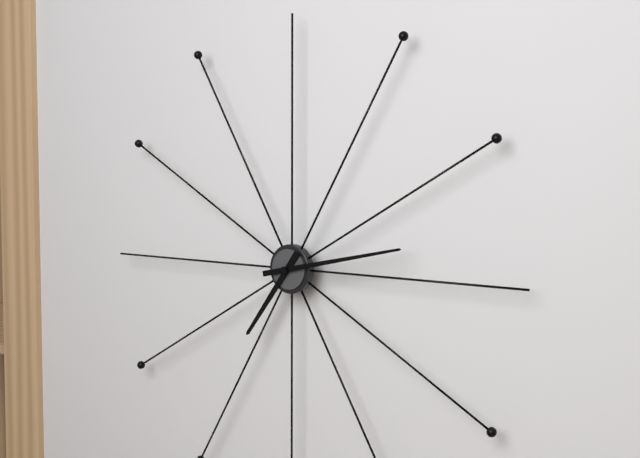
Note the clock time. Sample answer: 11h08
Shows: 7h13
